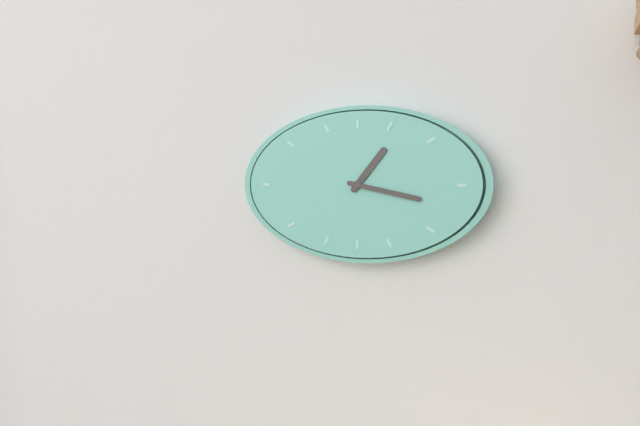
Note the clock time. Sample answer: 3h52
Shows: 1h17
